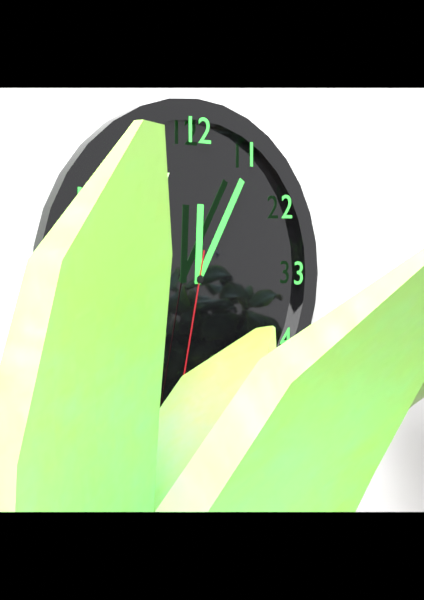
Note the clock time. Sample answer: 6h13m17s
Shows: 12h05m32s
